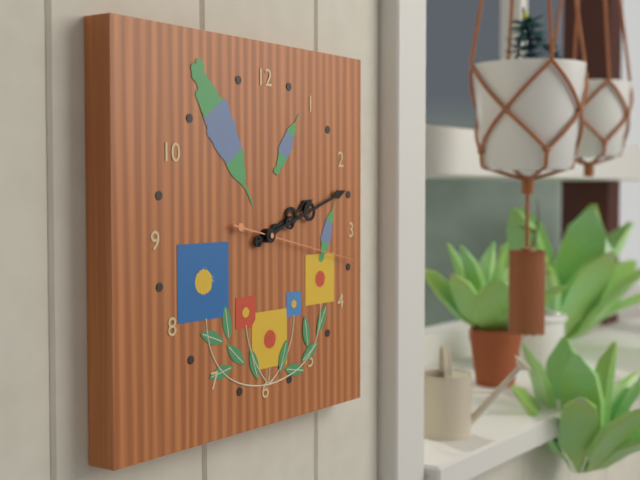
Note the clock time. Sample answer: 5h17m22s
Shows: 2h12m17s
